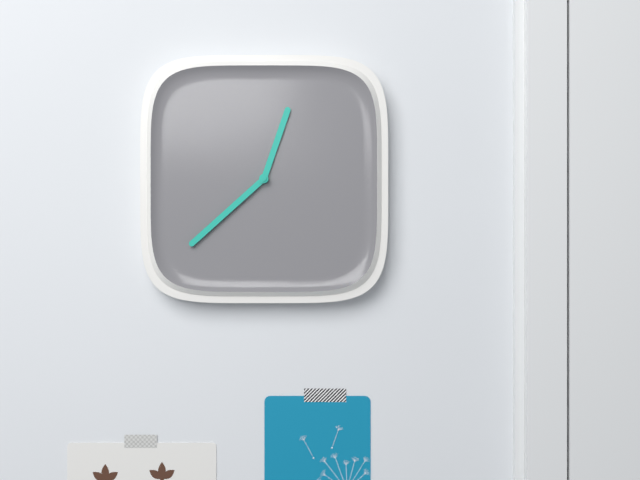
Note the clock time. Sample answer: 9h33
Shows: 12h38
